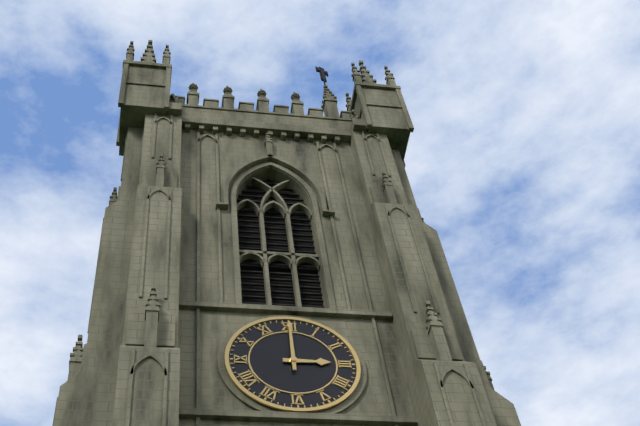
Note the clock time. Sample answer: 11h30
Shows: 3h00
